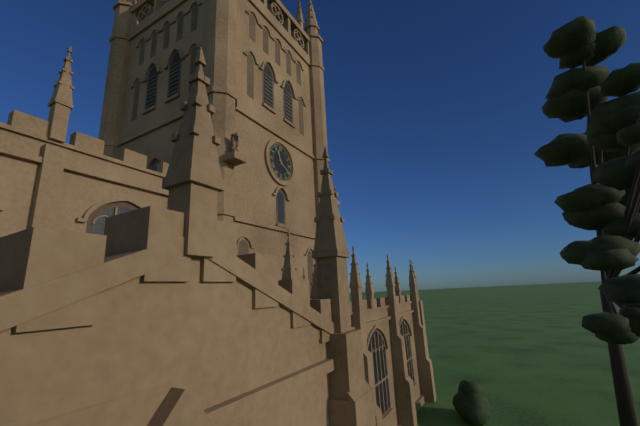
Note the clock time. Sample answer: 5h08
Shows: 11h20
